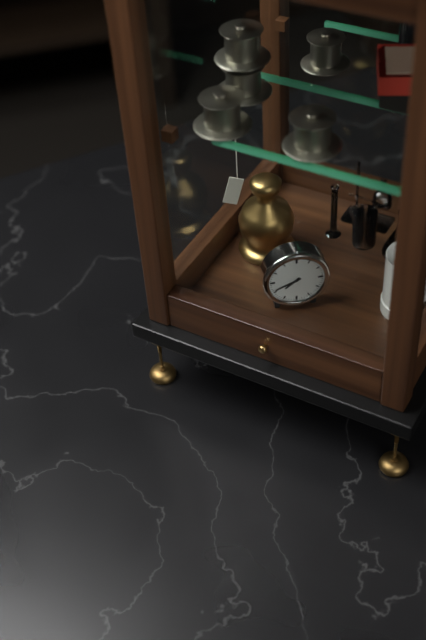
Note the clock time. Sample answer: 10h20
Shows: 7h41
